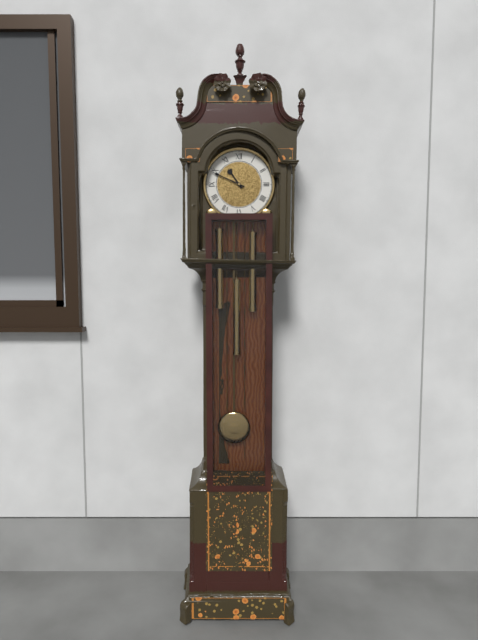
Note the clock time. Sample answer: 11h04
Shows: 10h49
